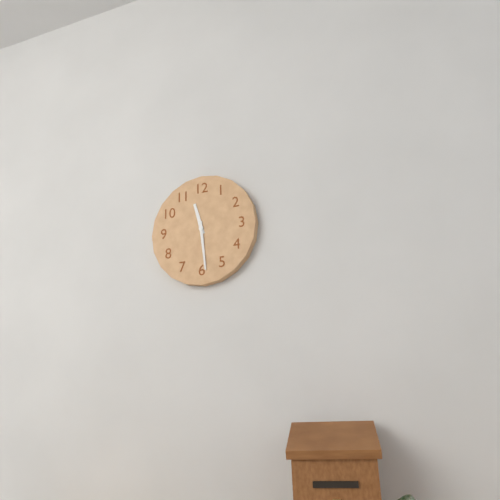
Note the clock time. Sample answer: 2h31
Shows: 11h29
